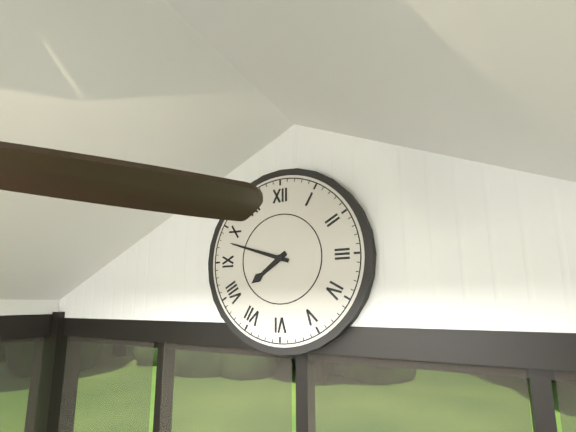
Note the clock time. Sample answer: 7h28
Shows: 7h48
